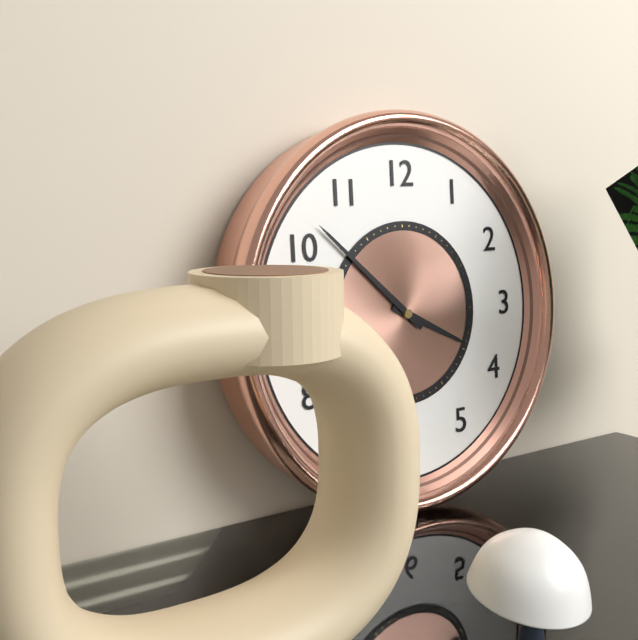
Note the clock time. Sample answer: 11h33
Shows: 3h52
